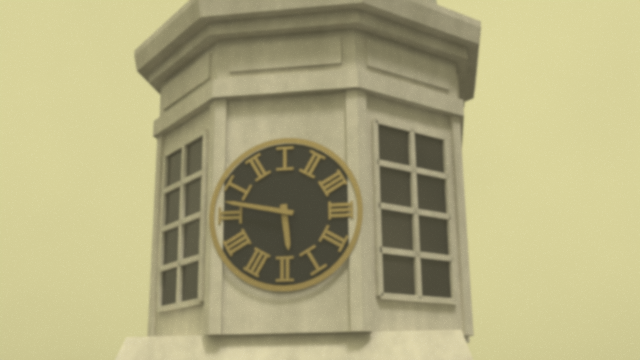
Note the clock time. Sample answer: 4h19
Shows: 5h47
